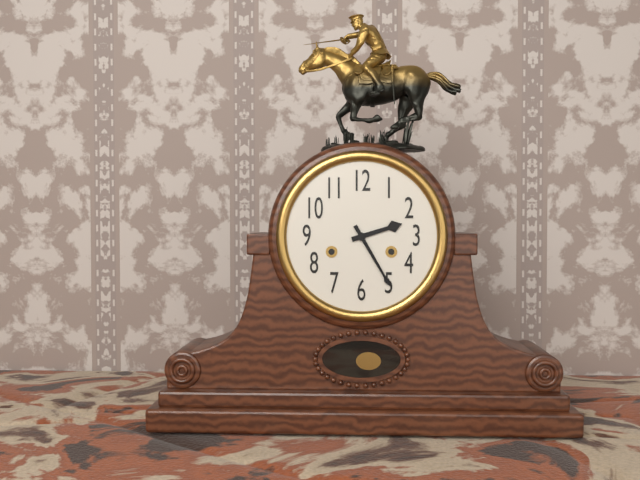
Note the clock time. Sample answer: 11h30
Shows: 2h25
